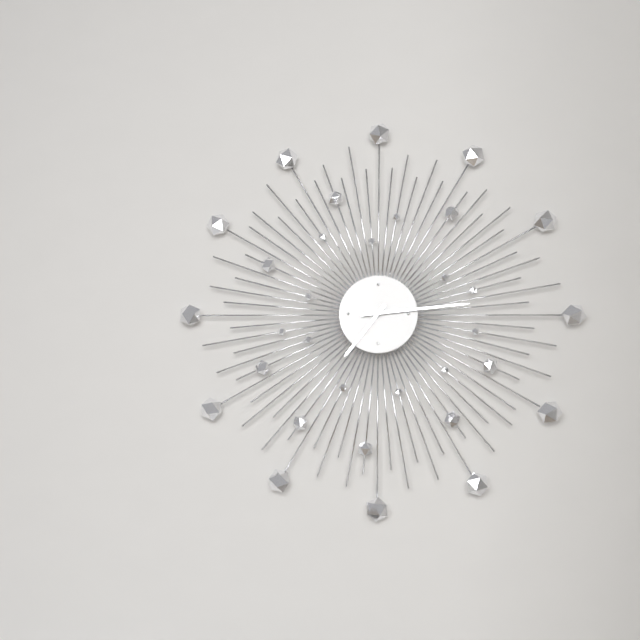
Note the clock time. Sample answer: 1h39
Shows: 7h14
